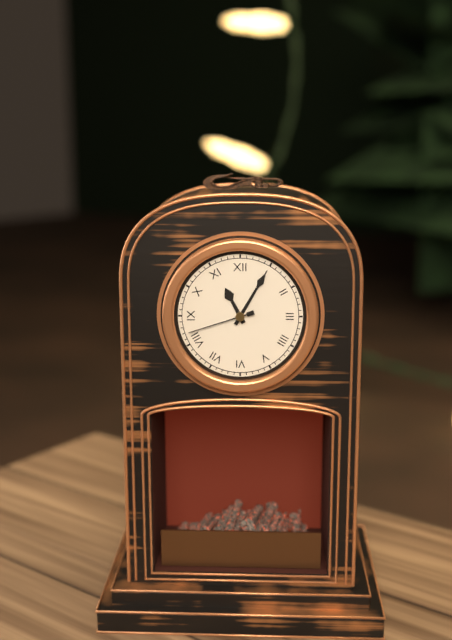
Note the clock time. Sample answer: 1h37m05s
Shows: 11h05m42s
